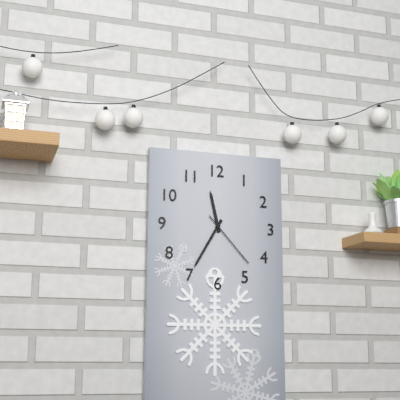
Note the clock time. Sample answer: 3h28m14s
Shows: 11h35m23s
